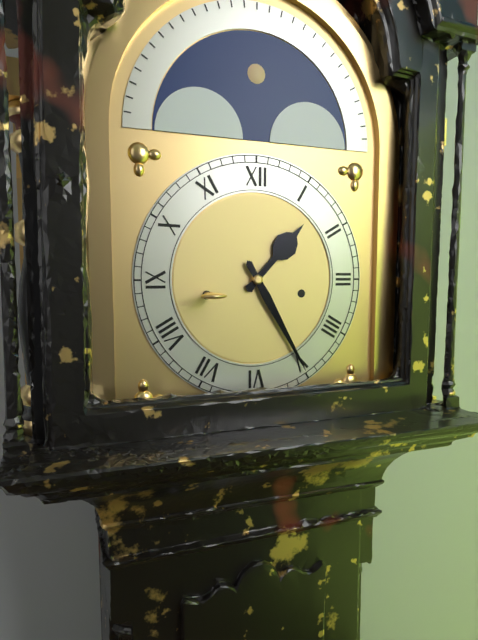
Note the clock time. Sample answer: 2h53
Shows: 1h25
